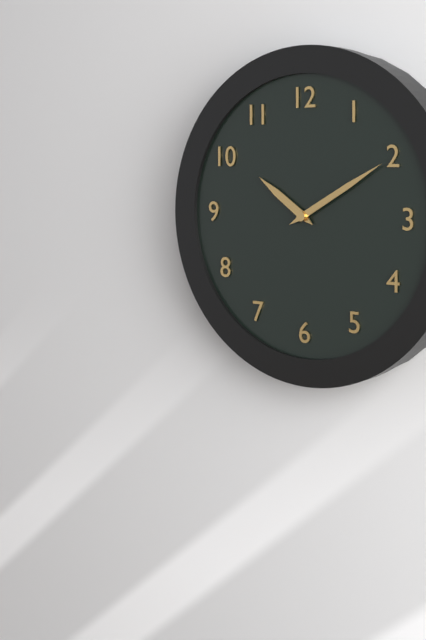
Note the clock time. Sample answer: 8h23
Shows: 10h10
